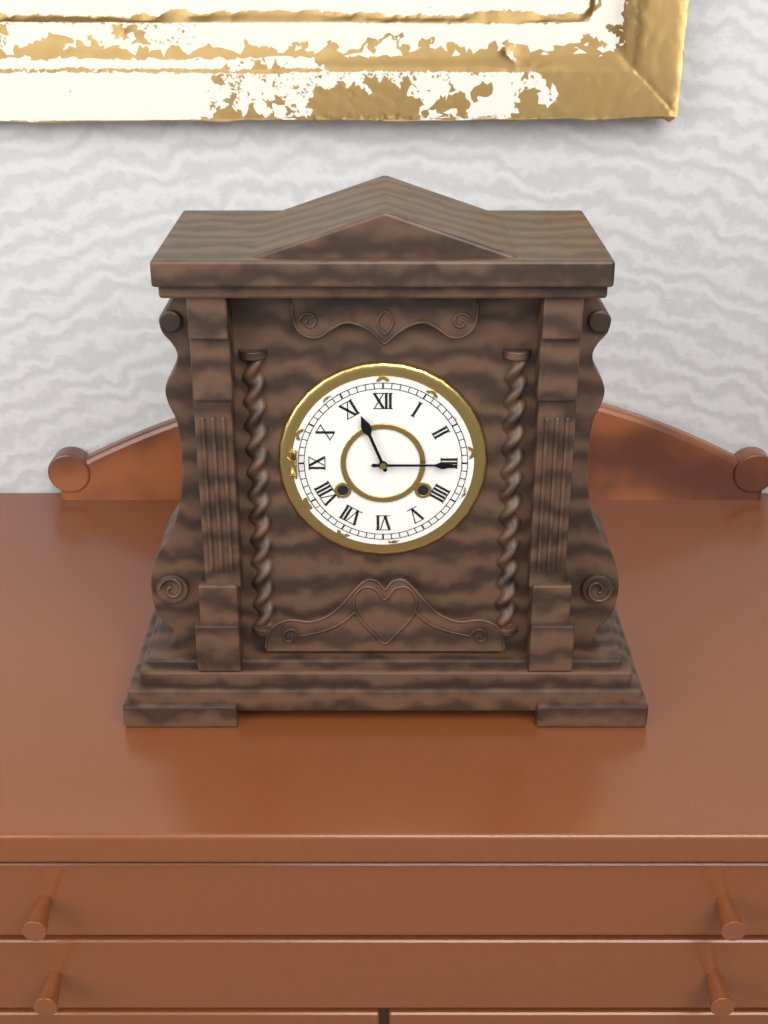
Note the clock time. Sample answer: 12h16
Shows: 11h15
